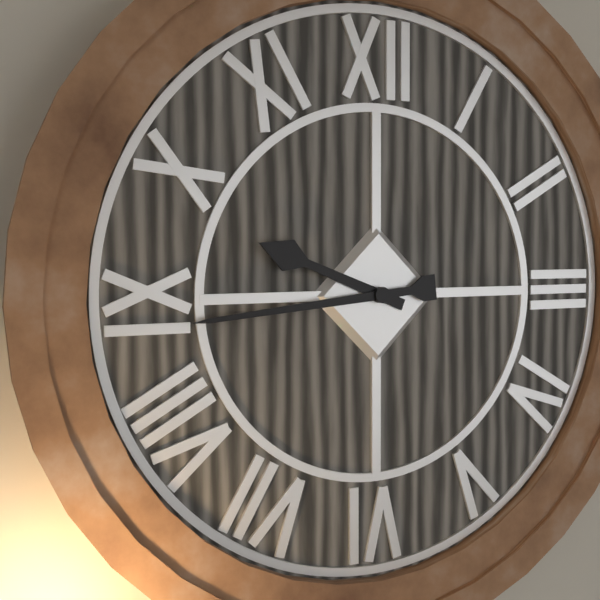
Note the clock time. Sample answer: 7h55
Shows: 9h44
